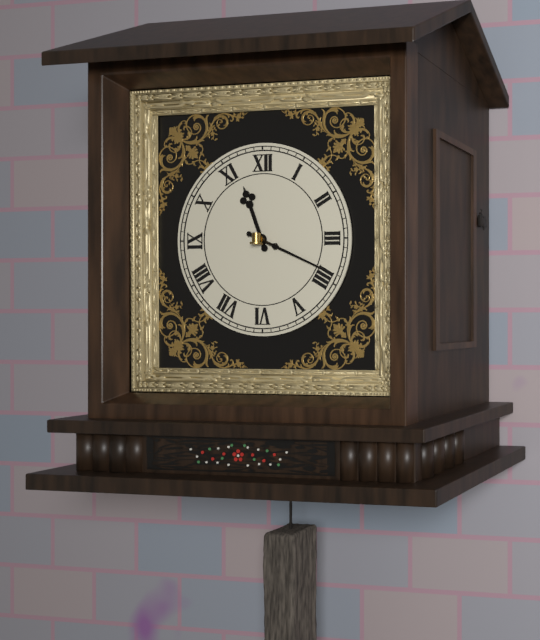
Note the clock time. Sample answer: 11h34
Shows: 11h19
